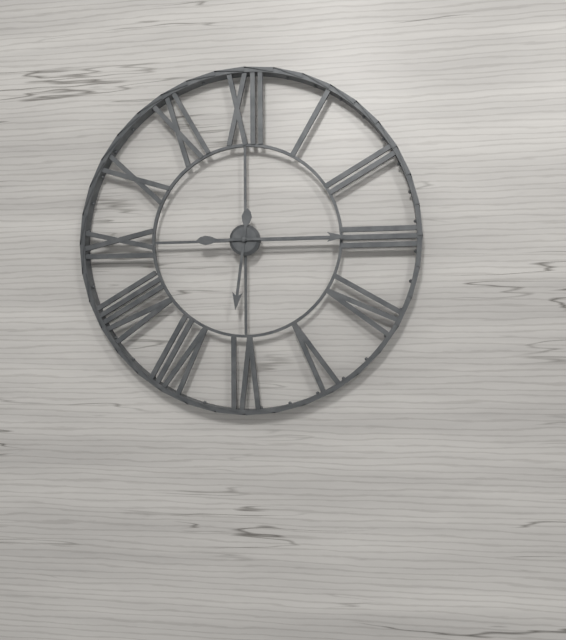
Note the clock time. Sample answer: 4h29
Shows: 6h15
